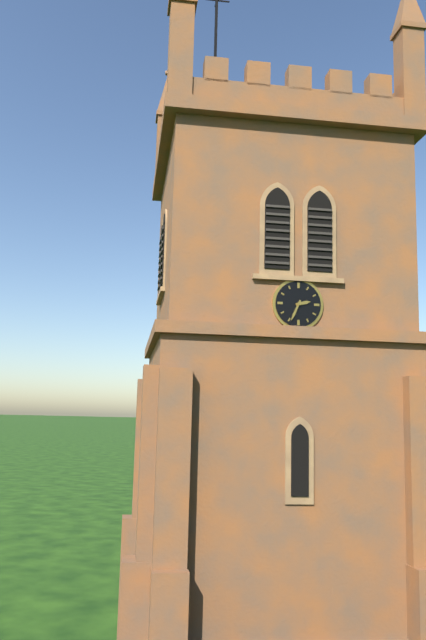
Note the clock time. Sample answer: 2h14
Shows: 2h34
